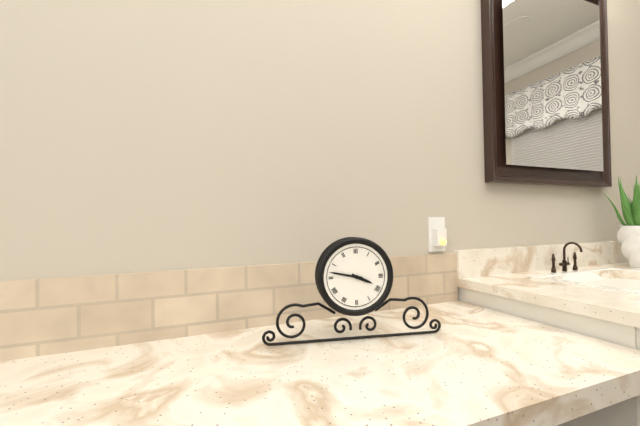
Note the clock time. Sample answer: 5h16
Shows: 3h47
